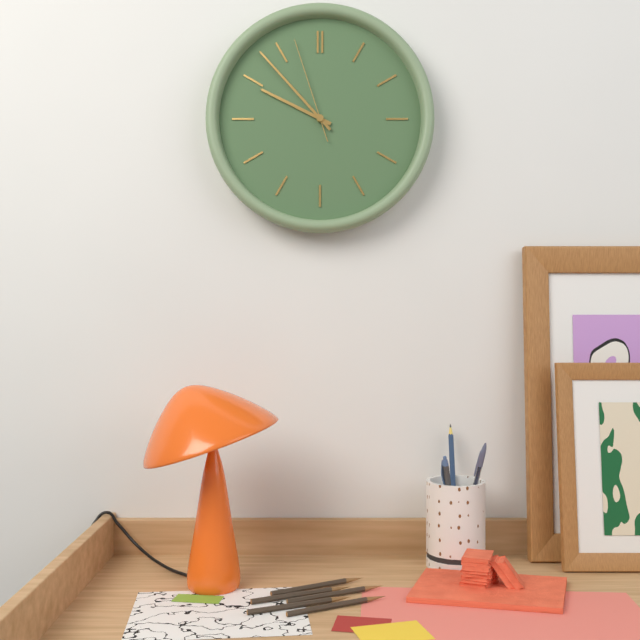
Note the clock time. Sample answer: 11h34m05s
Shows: 9h53m57s
